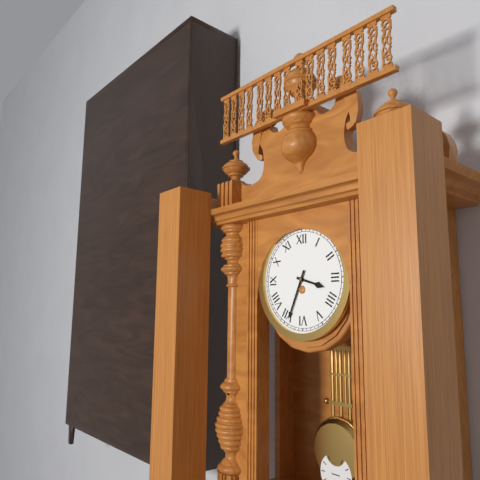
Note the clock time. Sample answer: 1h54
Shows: 3h34
